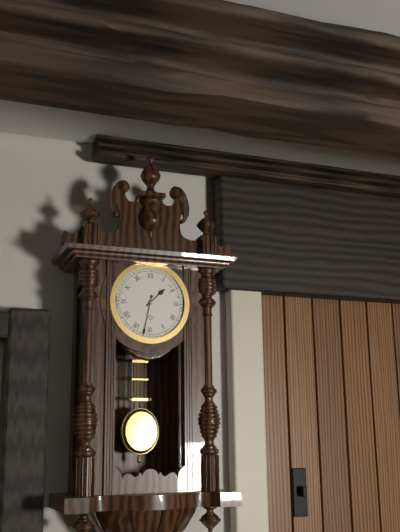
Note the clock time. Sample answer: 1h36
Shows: 1h32
